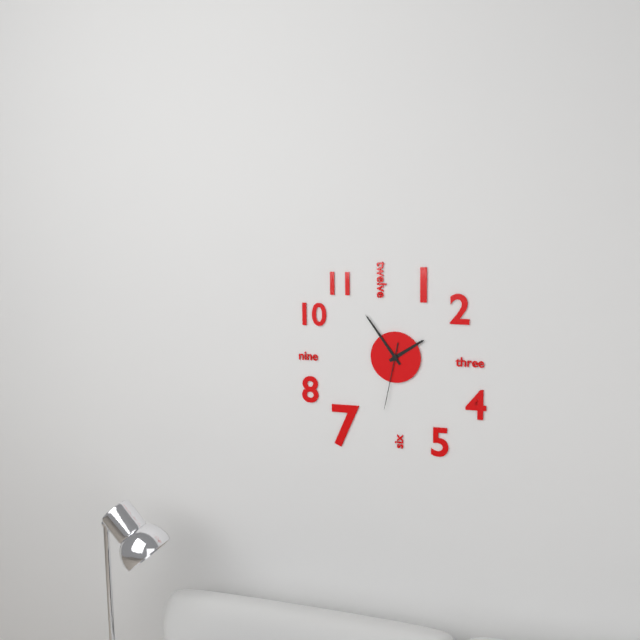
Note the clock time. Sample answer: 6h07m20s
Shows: 1h54m32s
